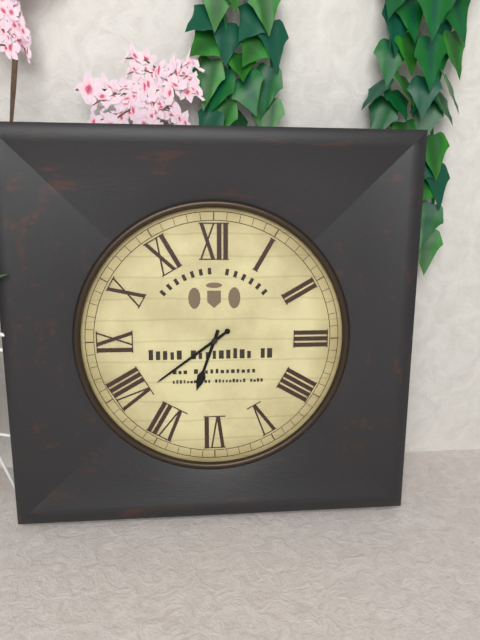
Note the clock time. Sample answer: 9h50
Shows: 6h39
